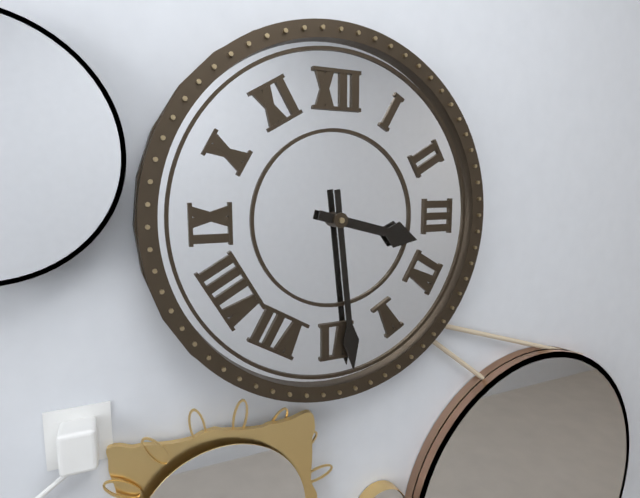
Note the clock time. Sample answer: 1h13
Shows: 3h29
